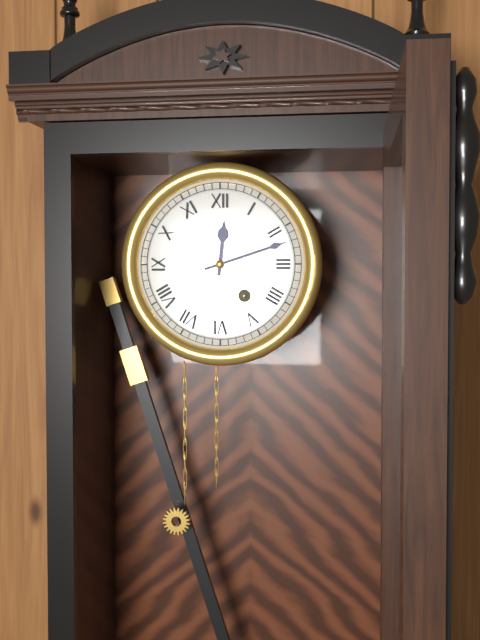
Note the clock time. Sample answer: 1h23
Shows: 12h12
